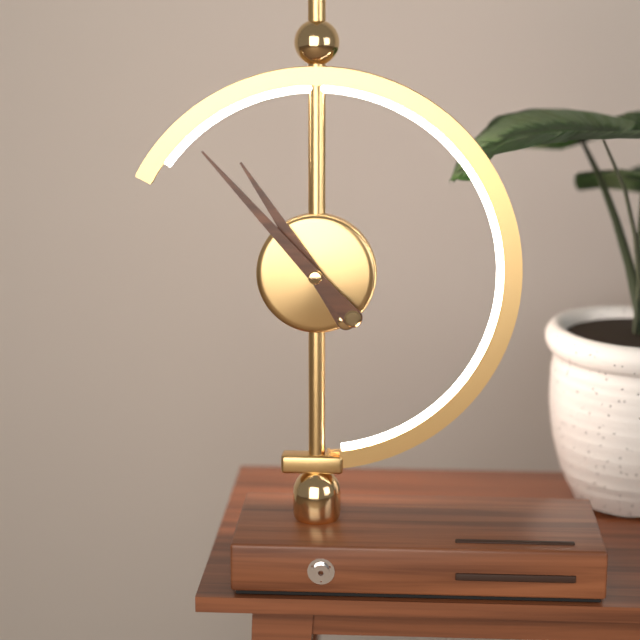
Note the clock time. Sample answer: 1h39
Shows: 10h53
